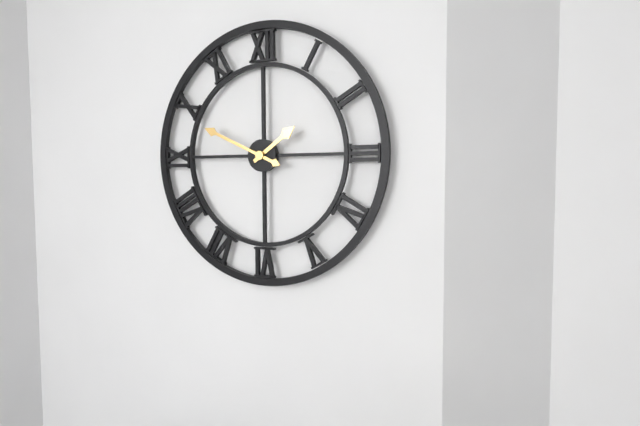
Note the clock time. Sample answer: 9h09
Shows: 1h49
